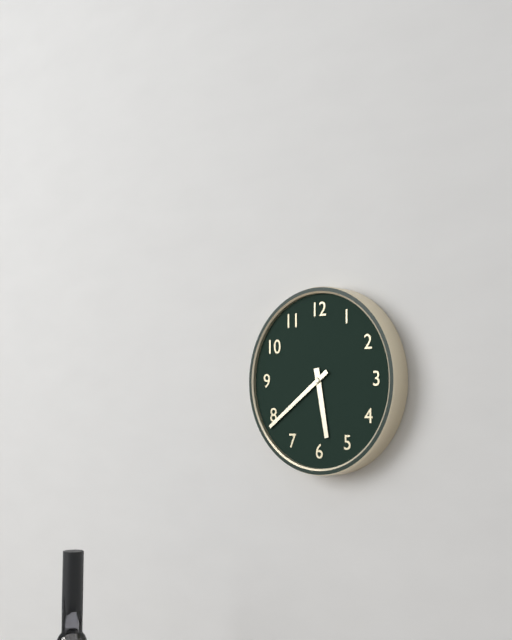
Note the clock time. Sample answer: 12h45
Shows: 5h39
